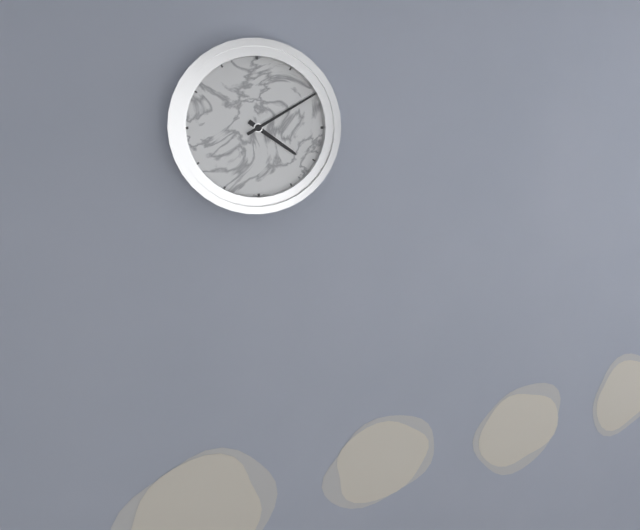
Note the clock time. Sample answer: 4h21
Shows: 4h10
